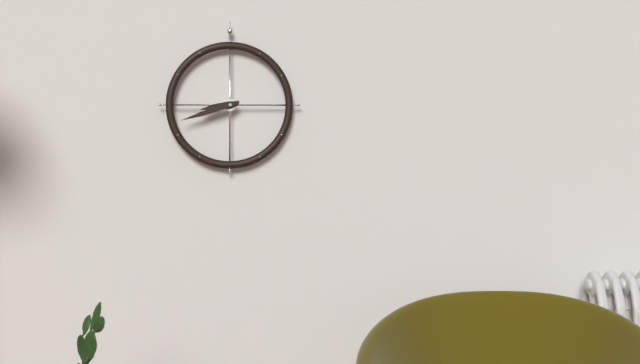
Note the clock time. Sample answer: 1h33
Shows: 8h42
